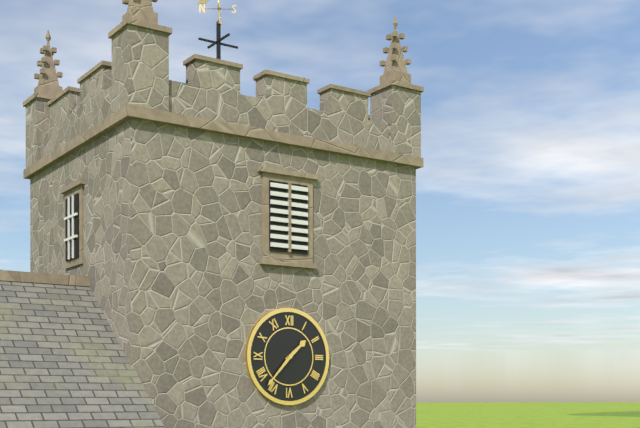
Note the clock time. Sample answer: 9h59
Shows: 1h37
